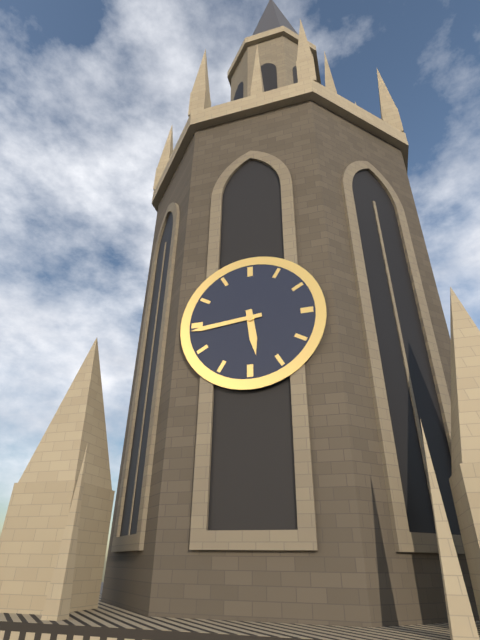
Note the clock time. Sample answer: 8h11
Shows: 5h44
